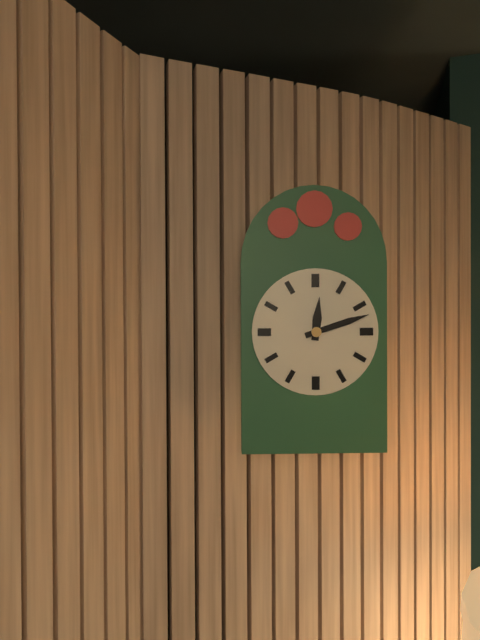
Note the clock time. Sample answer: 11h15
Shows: 12h12
